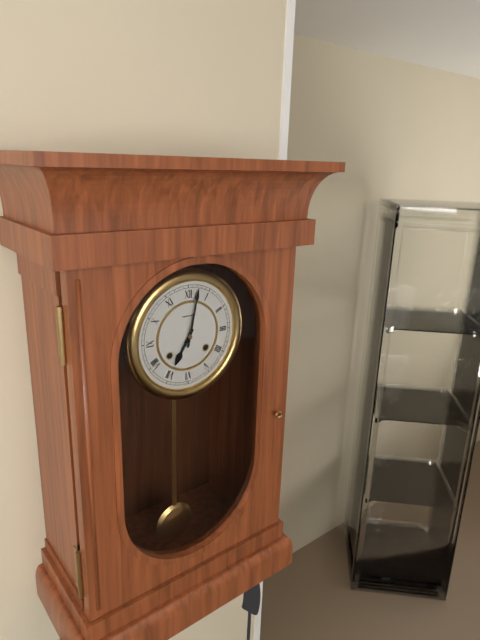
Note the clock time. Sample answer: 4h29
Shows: 7h02
